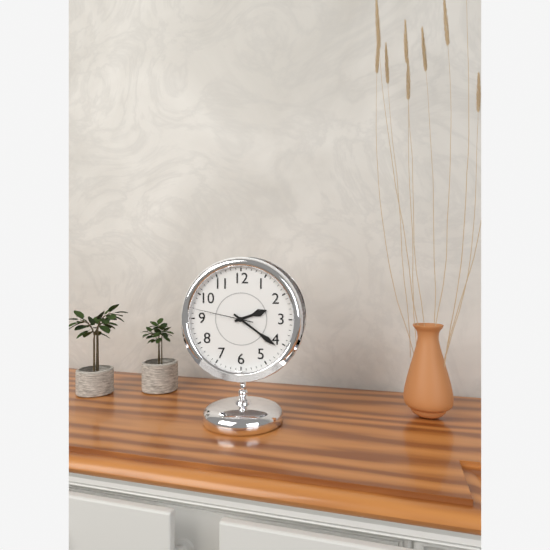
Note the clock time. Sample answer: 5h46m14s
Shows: 2h21m47s
